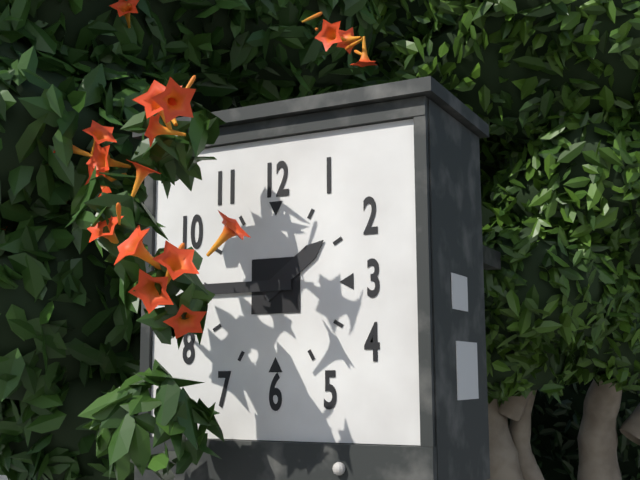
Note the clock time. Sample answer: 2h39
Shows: 1h45
